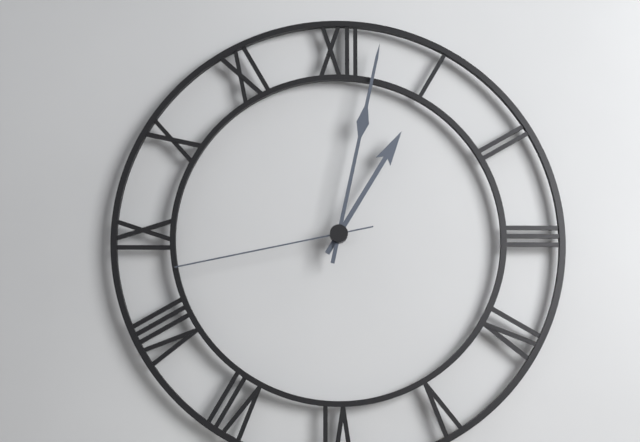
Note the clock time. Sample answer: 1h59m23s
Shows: 1h02m43s
